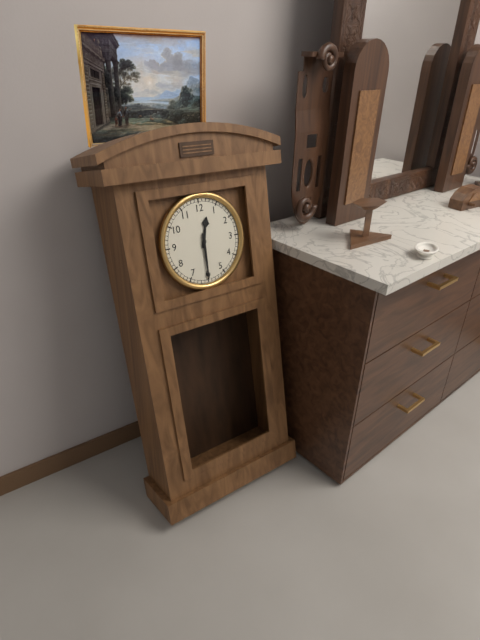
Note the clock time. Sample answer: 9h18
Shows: 12h30
